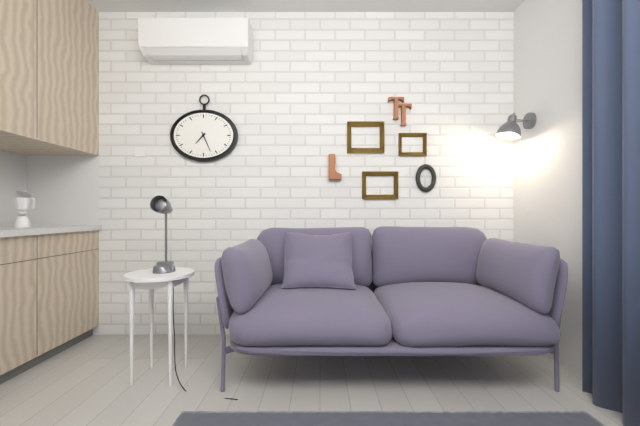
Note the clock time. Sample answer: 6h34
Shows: 7h26
